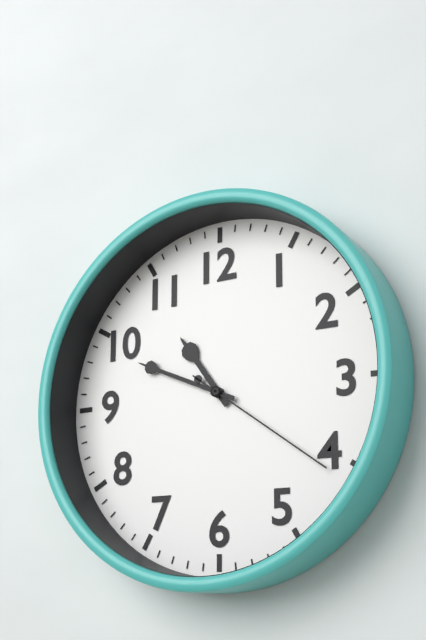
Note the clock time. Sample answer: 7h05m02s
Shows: 10h49m21s
